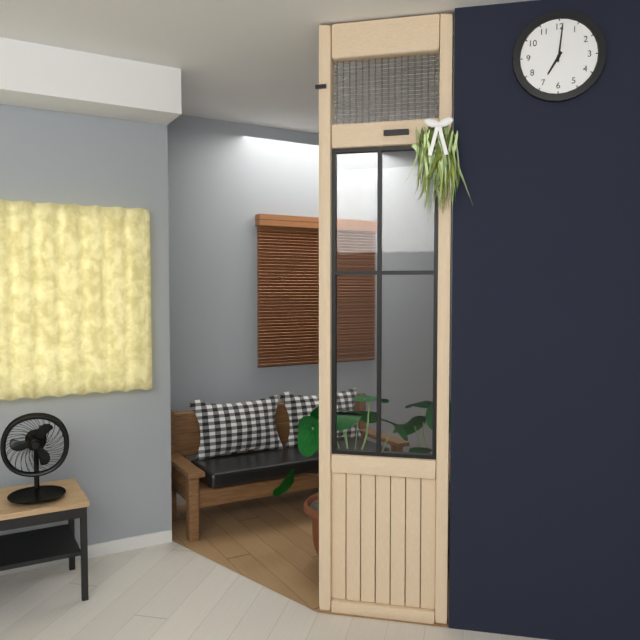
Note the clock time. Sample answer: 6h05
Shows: 7h01
